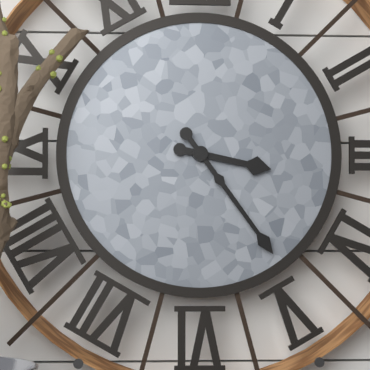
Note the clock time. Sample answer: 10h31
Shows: 3h24
